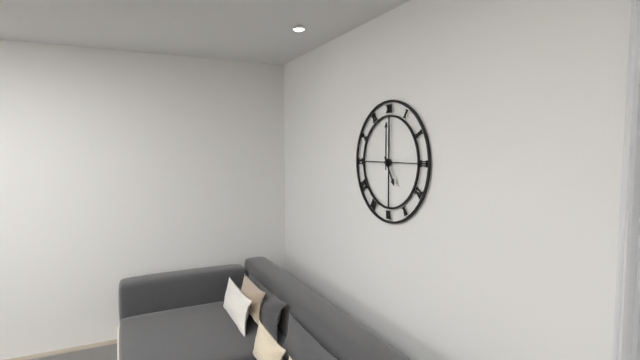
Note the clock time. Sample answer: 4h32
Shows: 5h00
